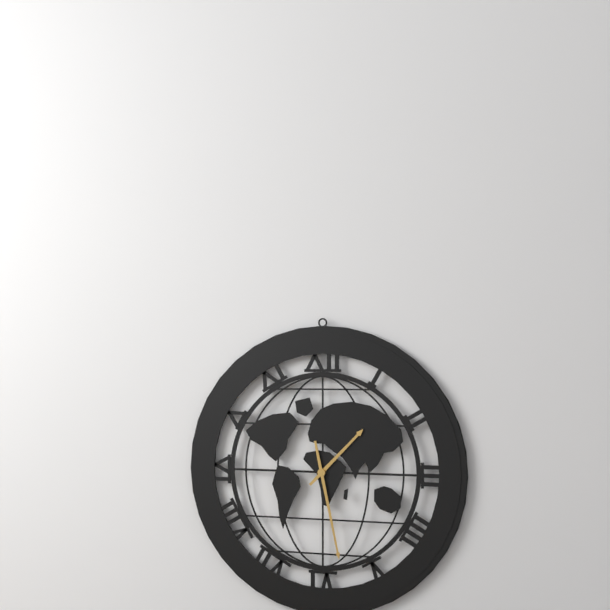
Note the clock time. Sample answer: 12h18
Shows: 1h28
